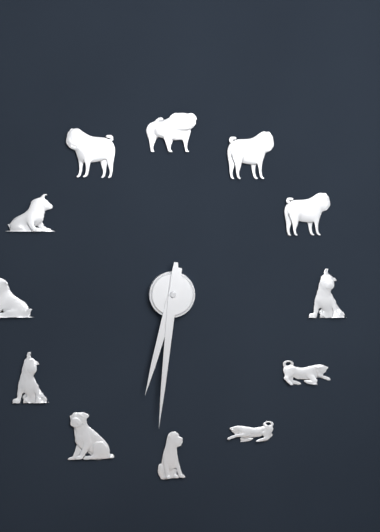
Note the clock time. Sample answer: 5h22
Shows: 6h31
